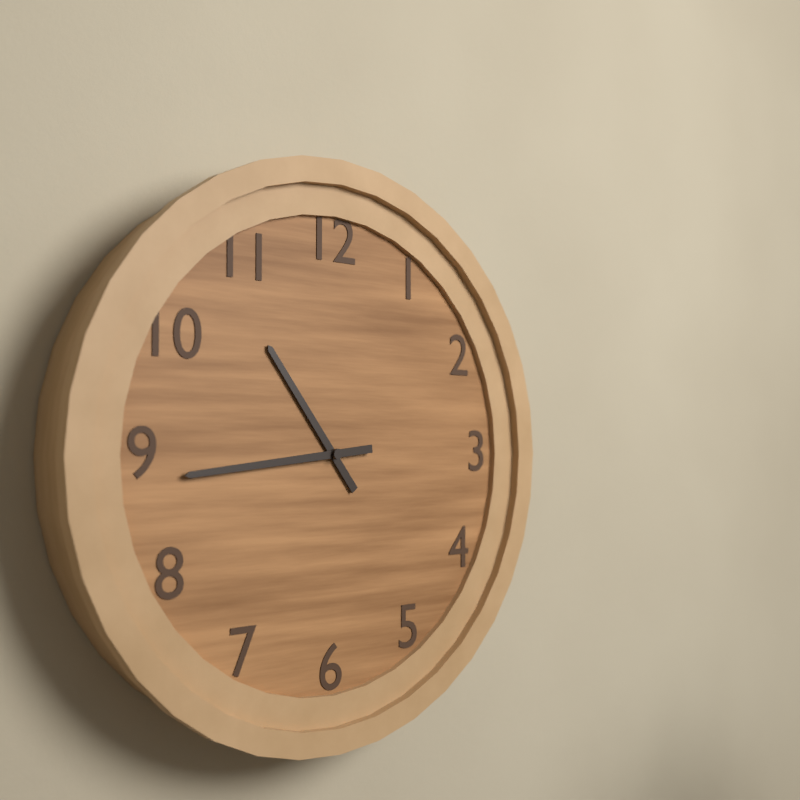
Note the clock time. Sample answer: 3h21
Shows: 10h44
